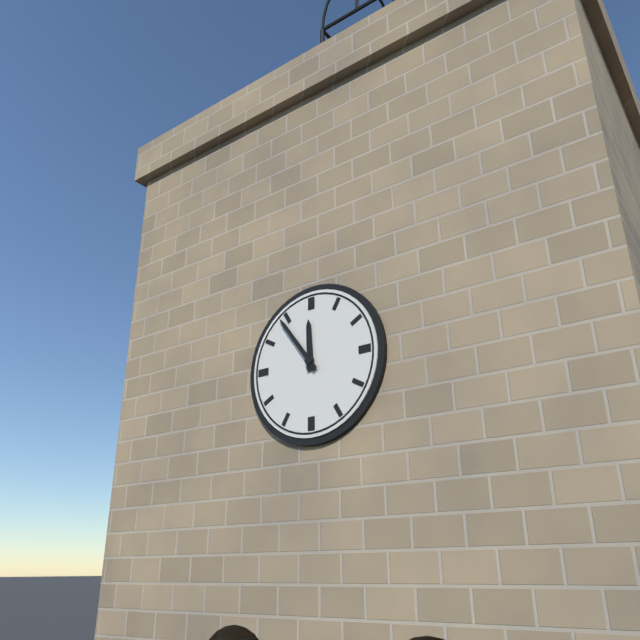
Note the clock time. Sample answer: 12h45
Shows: 11h54
